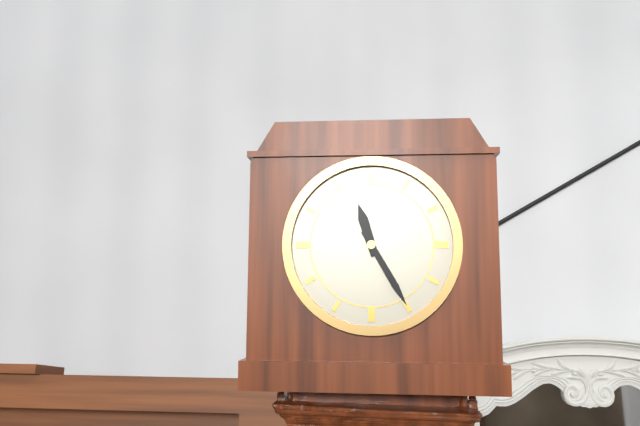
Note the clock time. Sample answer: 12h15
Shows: 11h25
